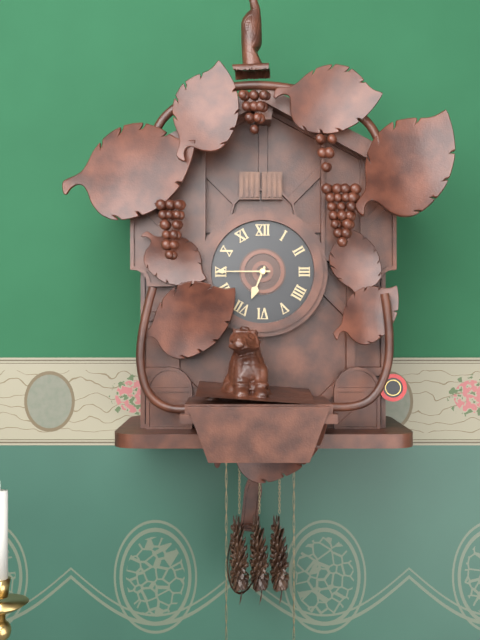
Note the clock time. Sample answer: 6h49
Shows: 6h45
